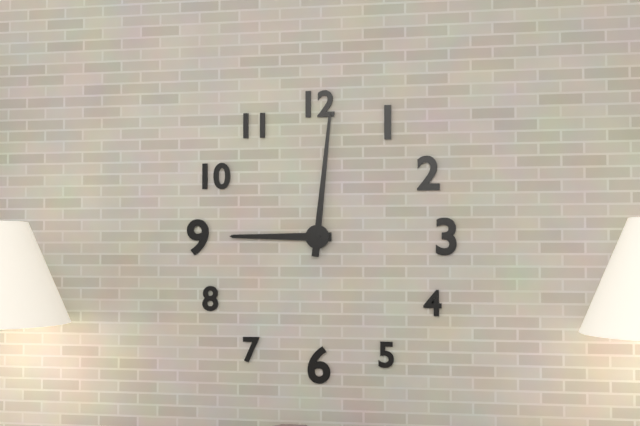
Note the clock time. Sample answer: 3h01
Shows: 9h01
